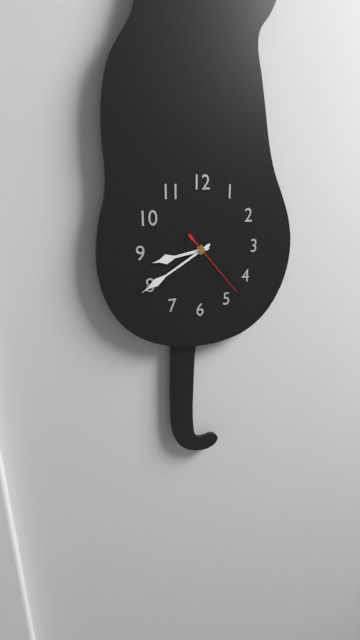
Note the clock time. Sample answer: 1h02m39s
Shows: 8h40m23s
